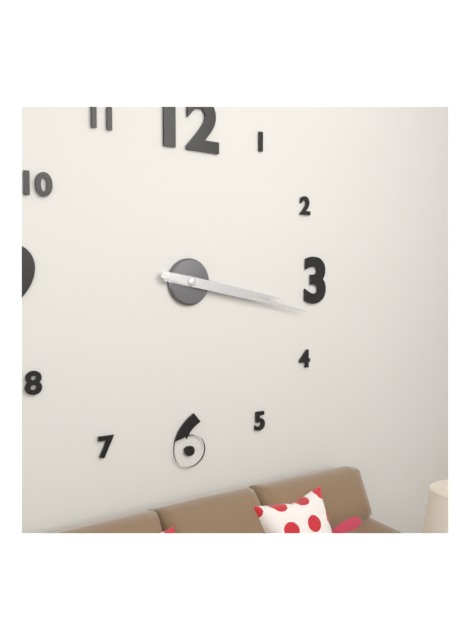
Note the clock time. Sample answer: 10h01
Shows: 3h17
